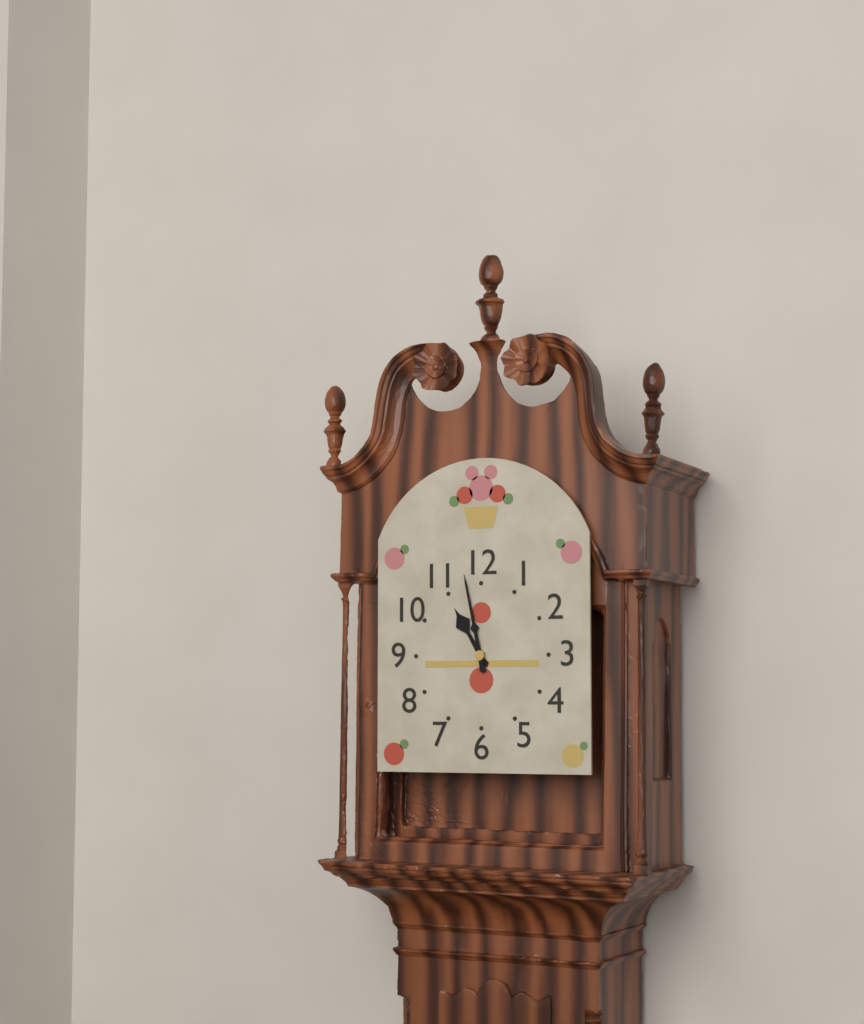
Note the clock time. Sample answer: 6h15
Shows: 10h58
